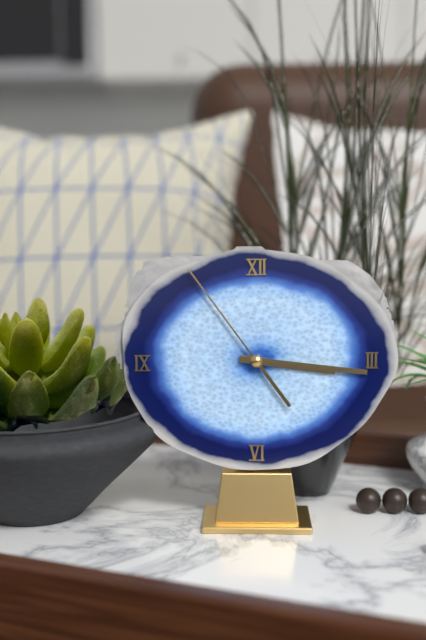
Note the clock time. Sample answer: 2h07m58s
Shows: 3h16m54s
